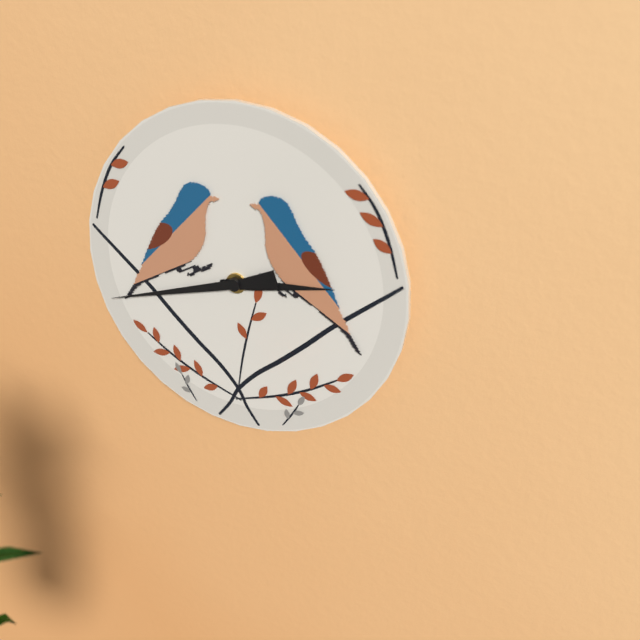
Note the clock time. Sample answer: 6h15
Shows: 2h42
